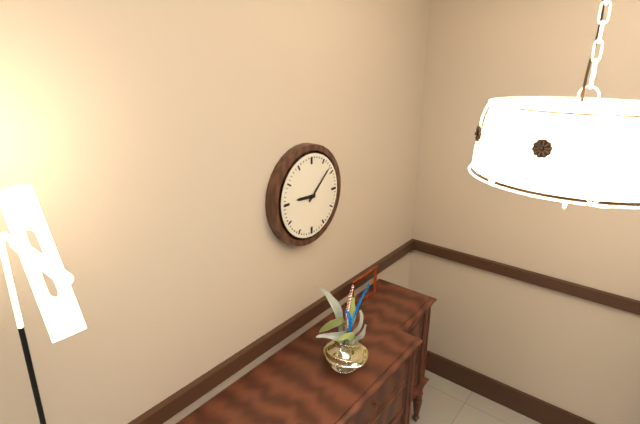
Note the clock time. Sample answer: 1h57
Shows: 9h08
